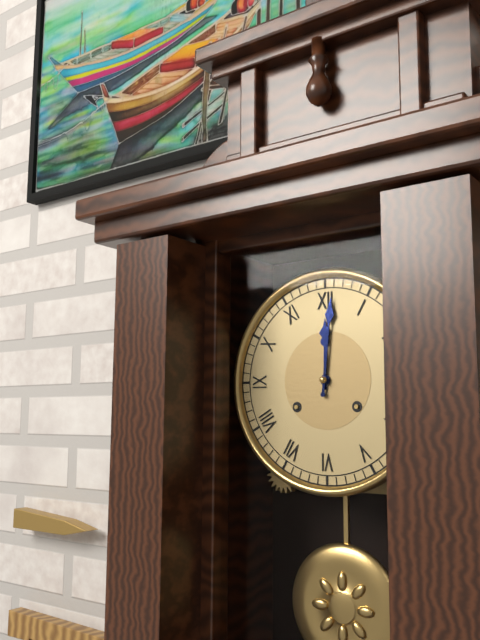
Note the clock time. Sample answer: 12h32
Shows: 12h01
